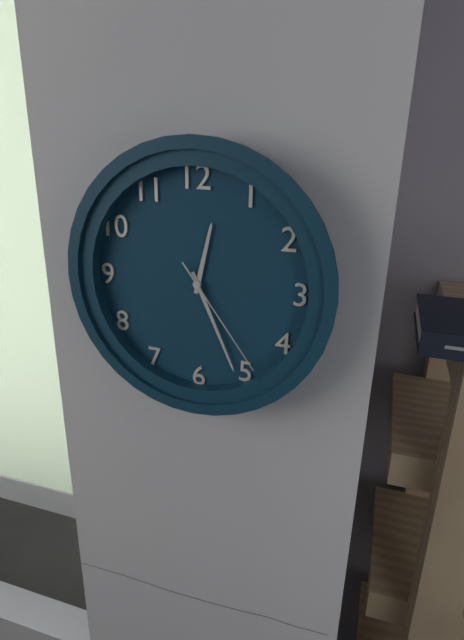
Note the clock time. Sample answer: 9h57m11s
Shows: 12h26m24s
